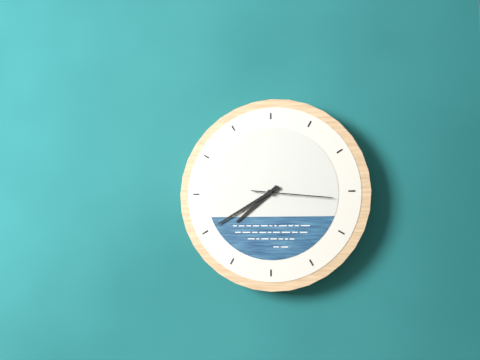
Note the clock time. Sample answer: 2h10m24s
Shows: 7h40m16s
